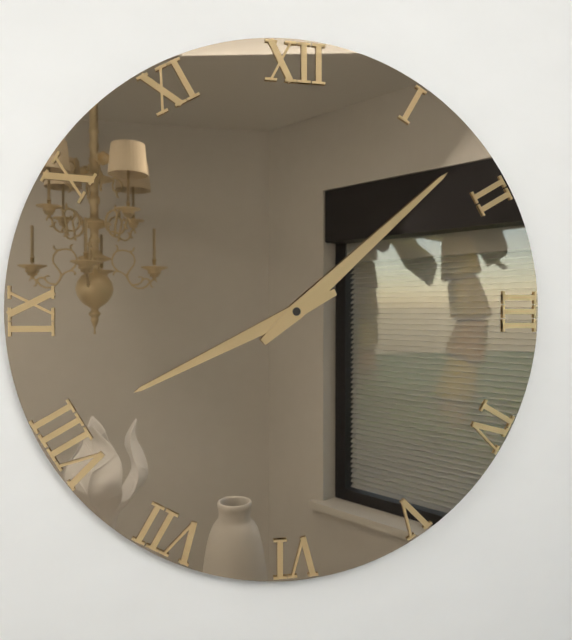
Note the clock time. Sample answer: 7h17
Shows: 8h08
